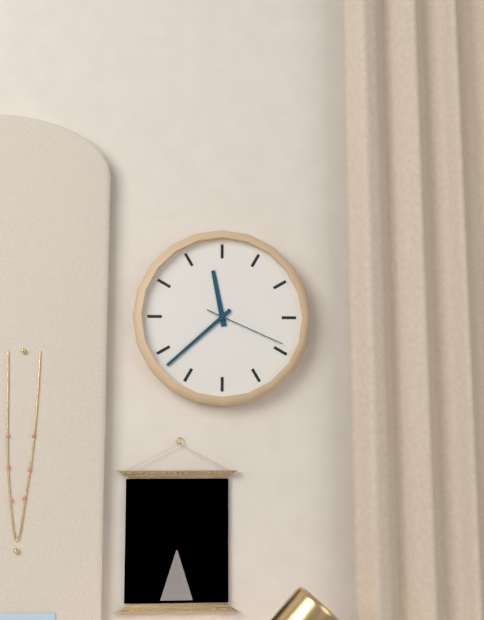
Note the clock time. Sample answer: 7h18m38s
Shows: 11h38m19s
